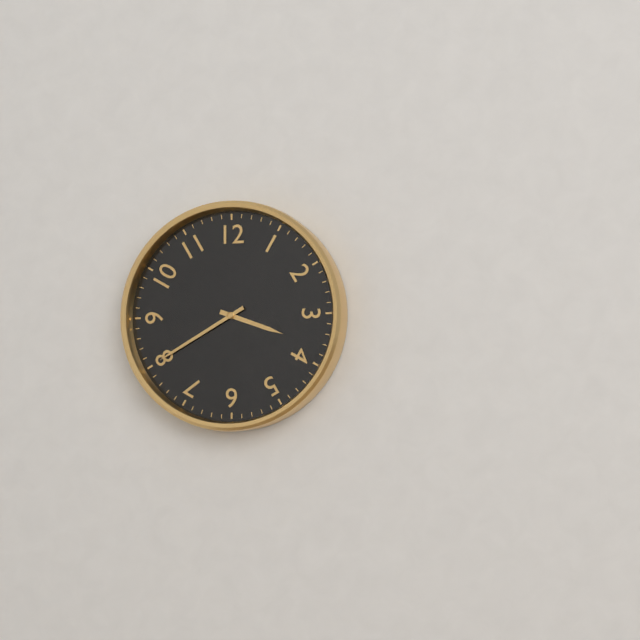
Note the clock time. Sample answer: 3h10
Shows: 3h40
